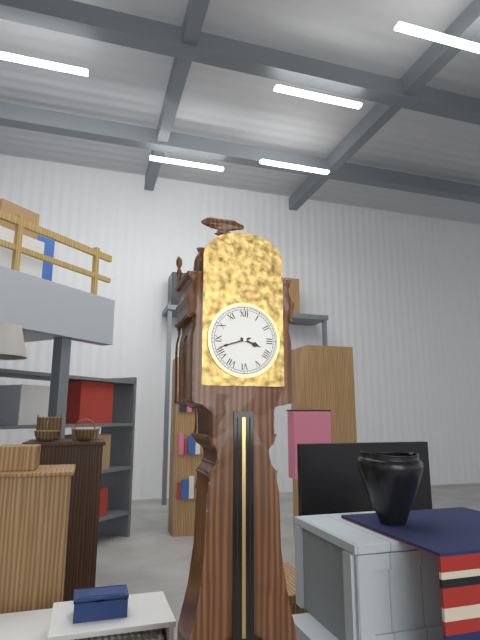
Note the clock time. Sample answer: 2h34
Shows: 3h42
